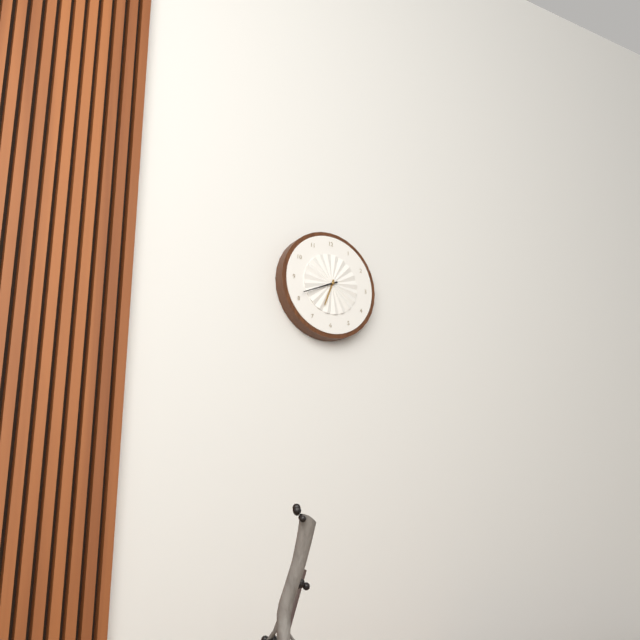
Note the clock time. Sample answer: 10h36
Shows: 6h41
